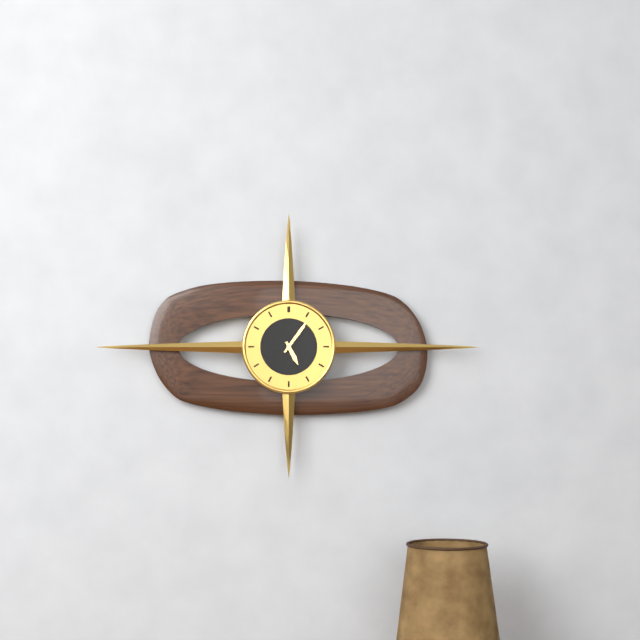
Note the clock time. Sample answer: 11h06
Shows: 5h06
